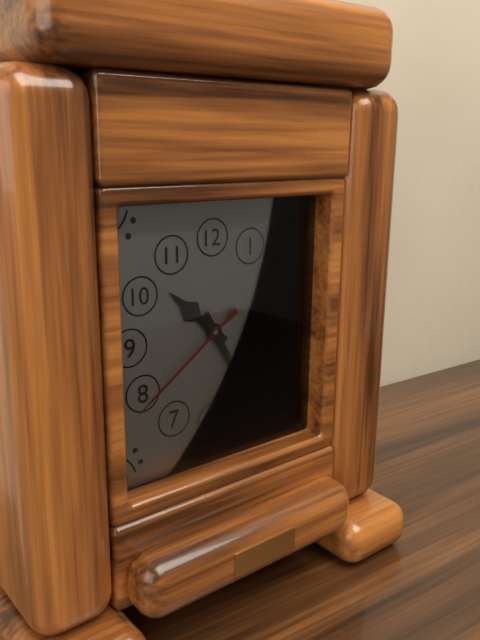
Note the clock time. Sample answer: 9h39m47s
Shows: 10h25m39s
